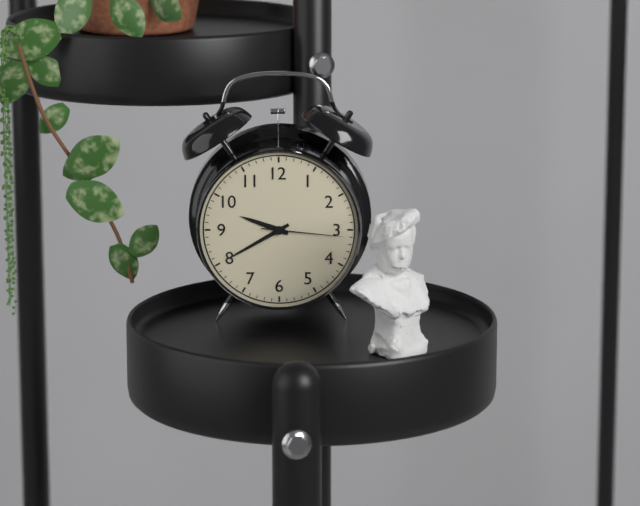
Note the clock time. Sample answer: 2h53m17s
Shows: 9h40m16s
